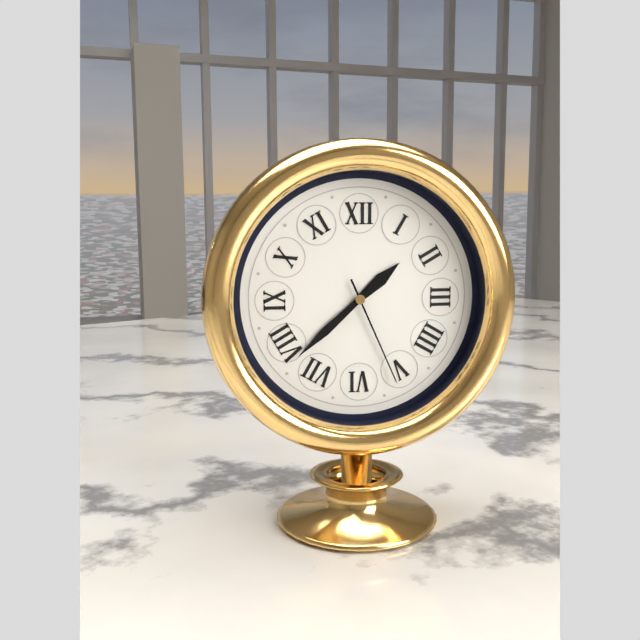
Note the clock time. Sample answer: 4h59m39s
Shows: 1h38m26s
